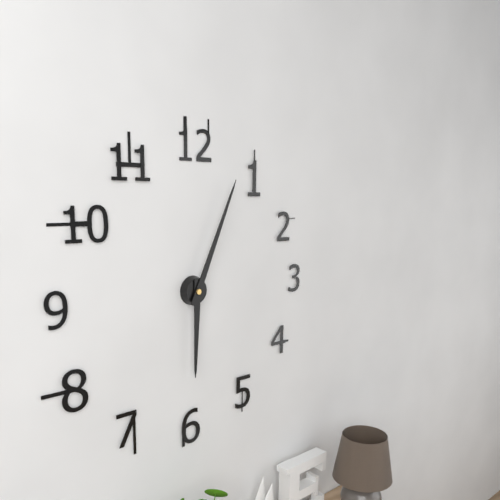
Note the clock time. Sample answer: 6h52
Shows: 6h04
